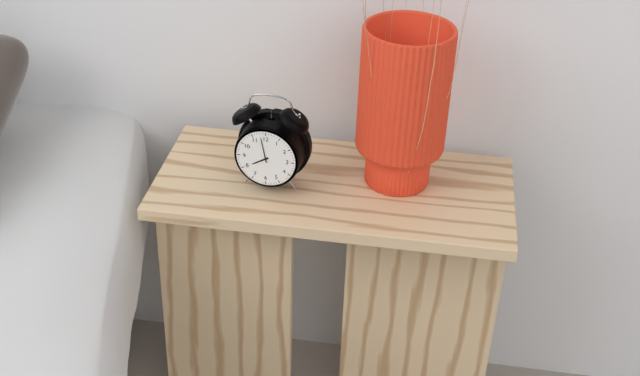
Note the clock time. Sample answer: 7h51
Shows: 7h58
